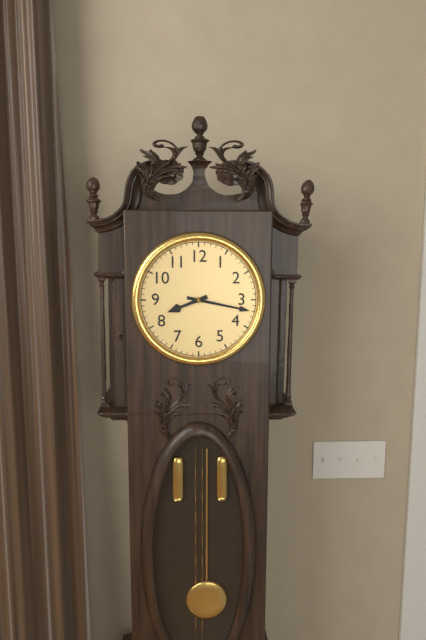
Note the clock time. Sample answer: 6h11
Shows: 8h17
